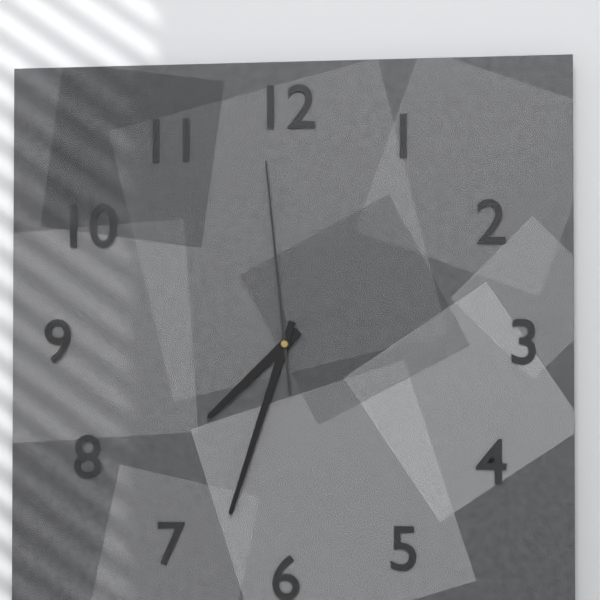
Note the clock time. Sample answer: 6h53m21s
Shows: 7h33m59s
